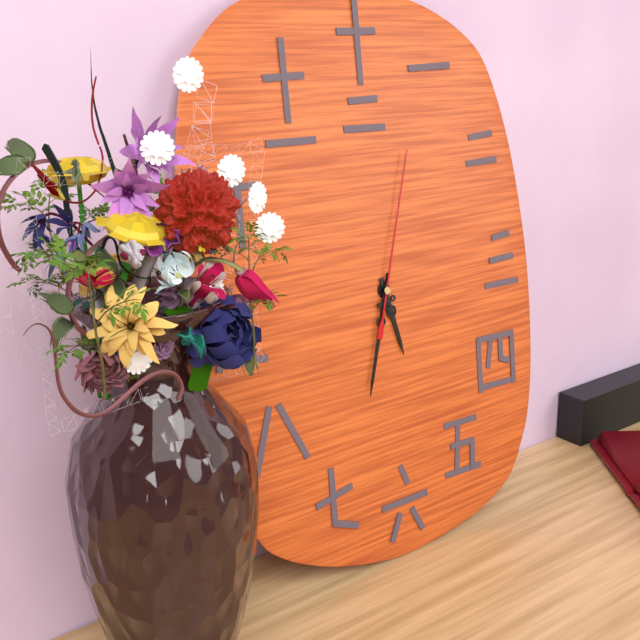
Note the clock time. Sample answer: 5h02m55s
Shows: 5h33m03s
